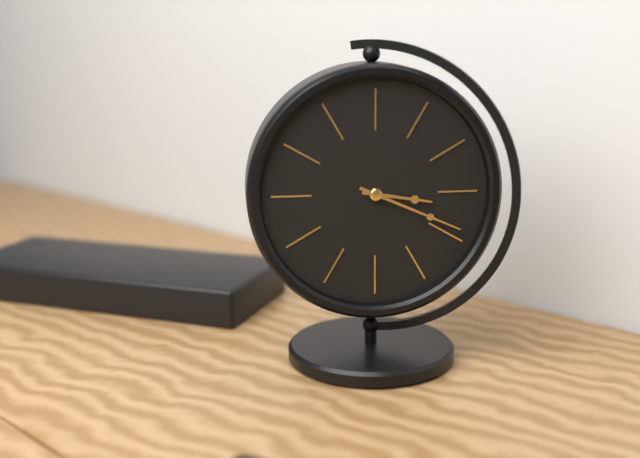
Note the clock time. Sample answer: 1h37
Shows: 3h19
